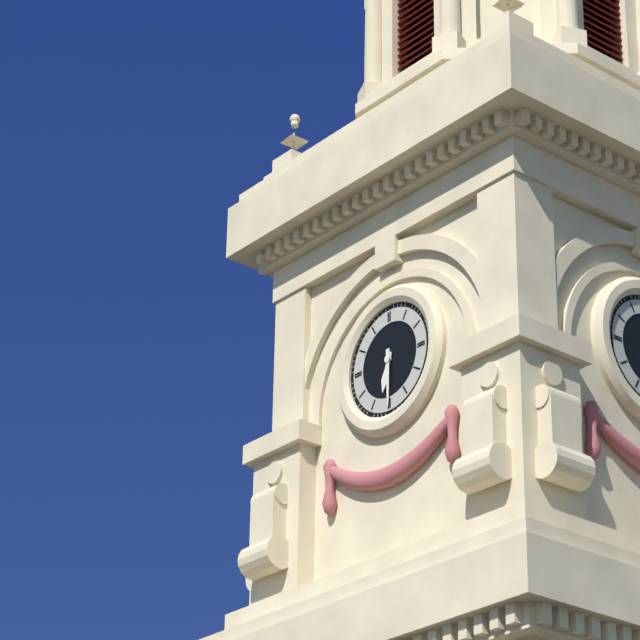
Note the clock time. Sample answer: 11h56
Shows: 6h30
